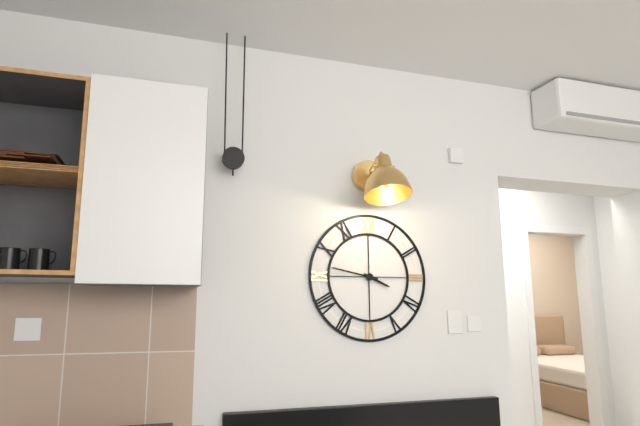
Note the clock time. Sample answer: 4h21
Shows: 3h47
